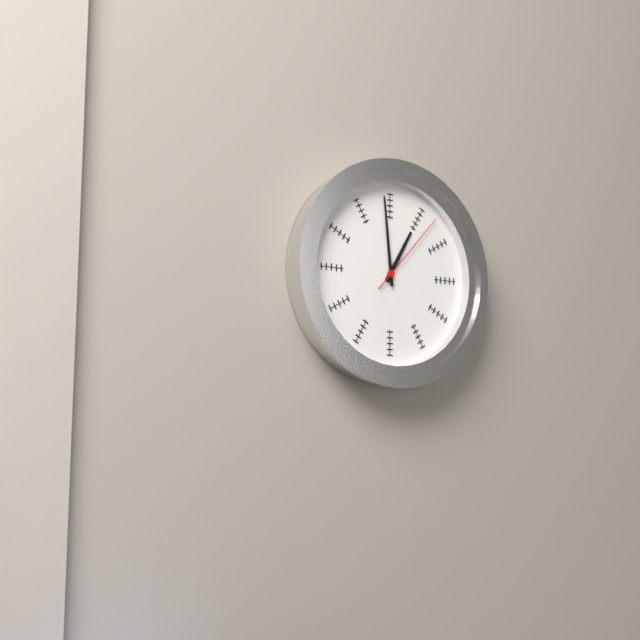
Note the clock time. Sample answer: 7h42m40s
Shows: 12h59m07s
